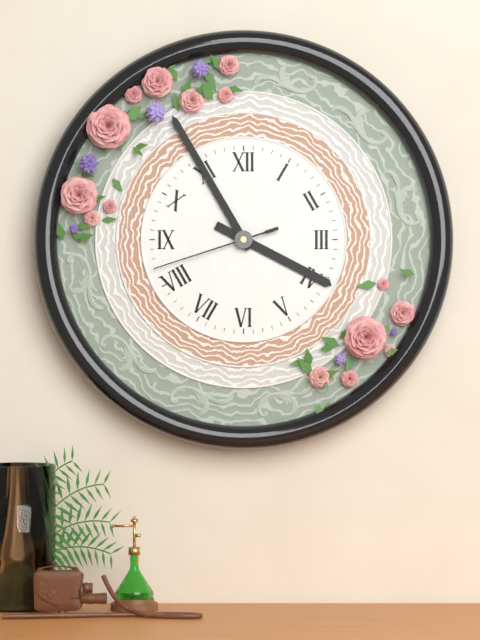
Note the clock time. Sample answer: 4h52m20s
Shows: 3h55m42s
